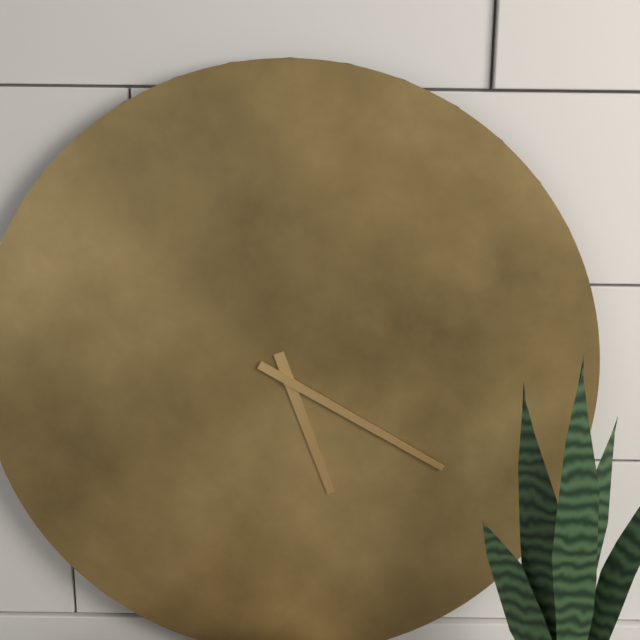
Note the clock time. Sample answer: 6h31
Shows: 5h20
